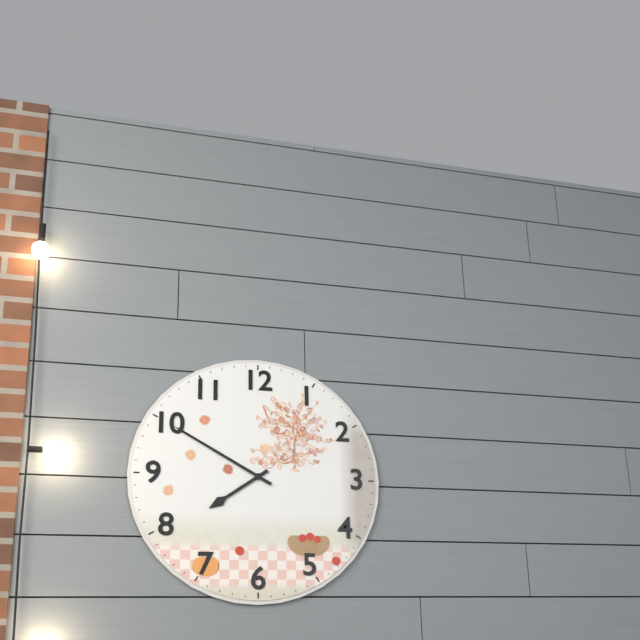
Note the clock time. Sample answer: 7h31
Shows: 7h50
